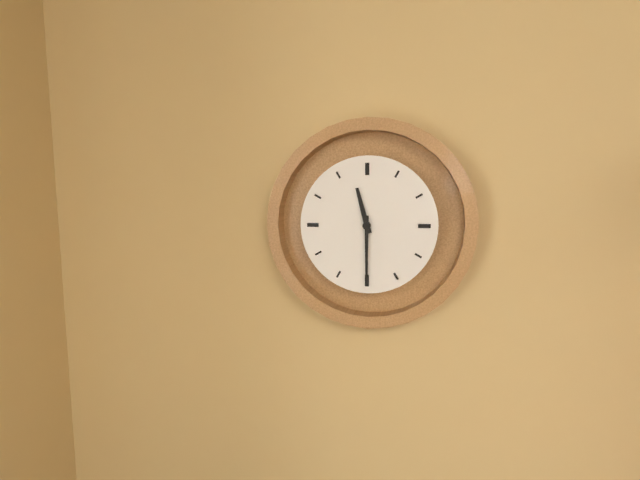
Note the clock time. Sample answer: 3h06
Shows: 11h30
